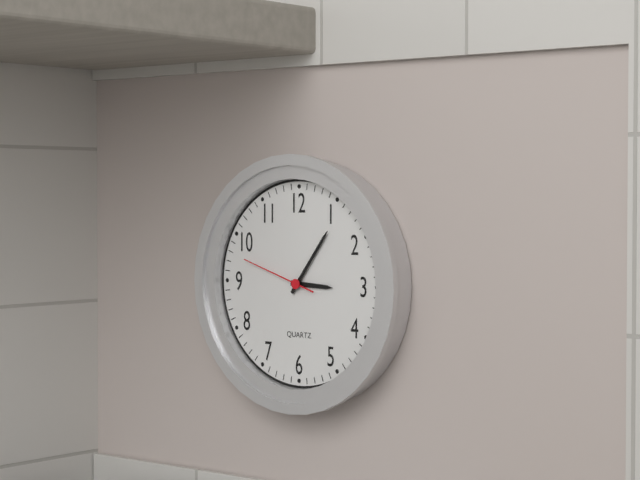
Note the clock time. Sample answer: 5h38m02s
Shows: 3h06m48s
